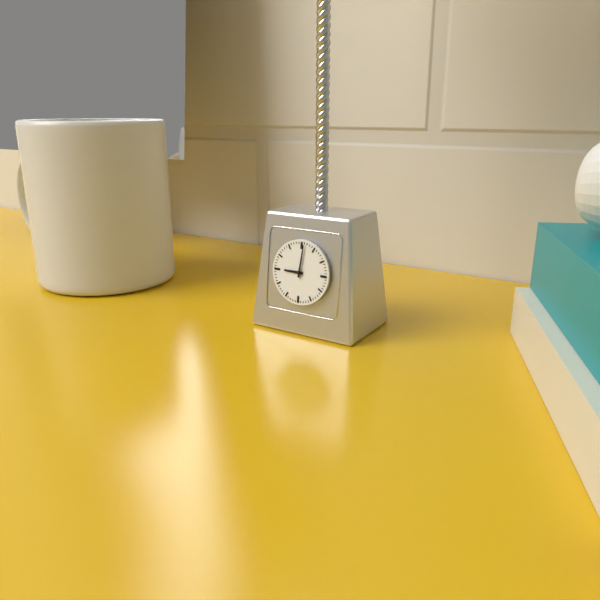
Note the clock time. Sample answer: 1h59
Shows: 9h01
